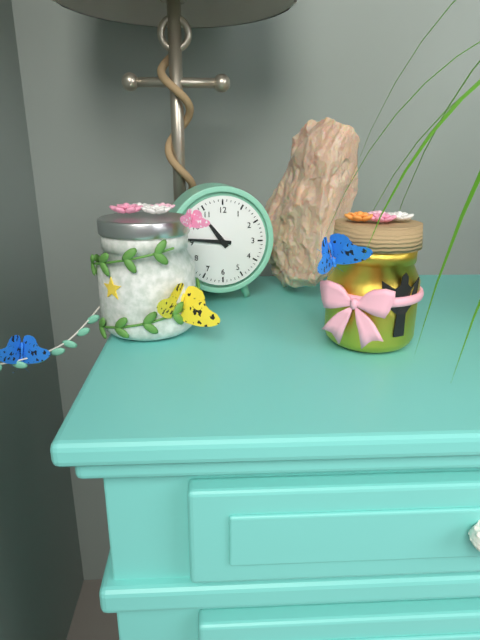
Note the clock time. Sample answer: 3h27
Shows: 10h46
